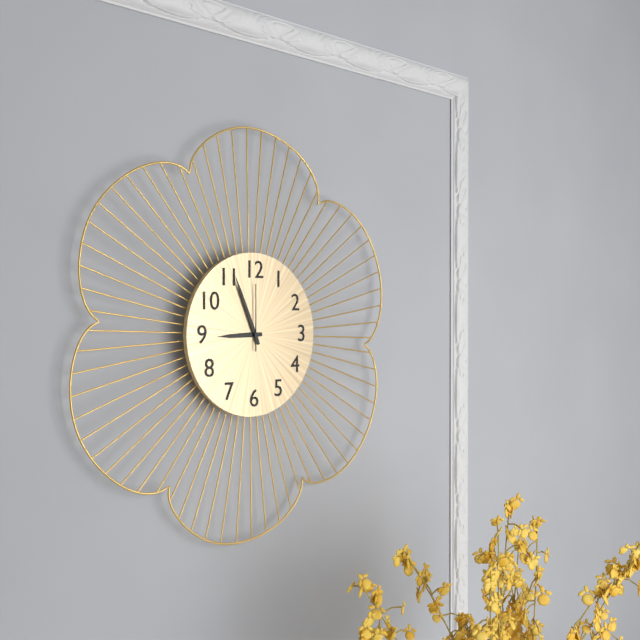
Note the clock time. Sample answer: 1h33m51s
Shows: 8h56m00s
